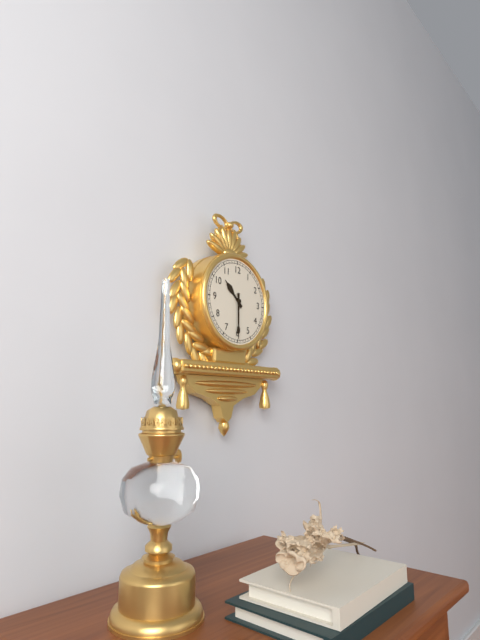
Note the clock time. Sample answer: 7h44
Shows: 10h30
